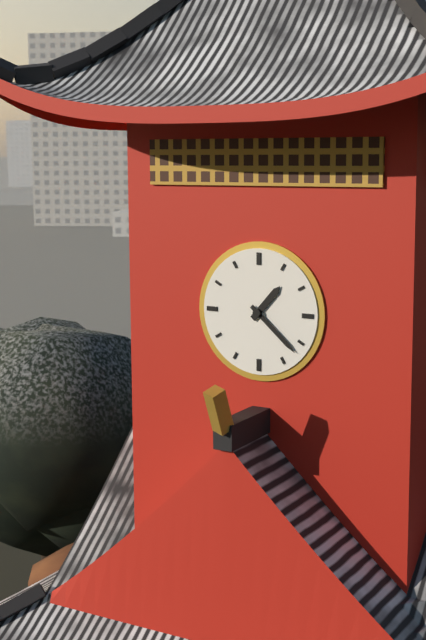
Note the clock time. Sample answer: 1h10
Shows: 1h22
